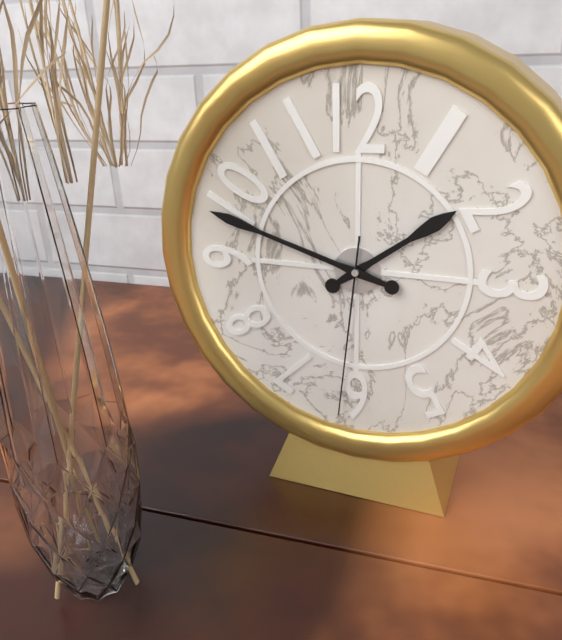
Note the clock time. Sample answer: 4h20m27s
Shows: 1h48m31s
